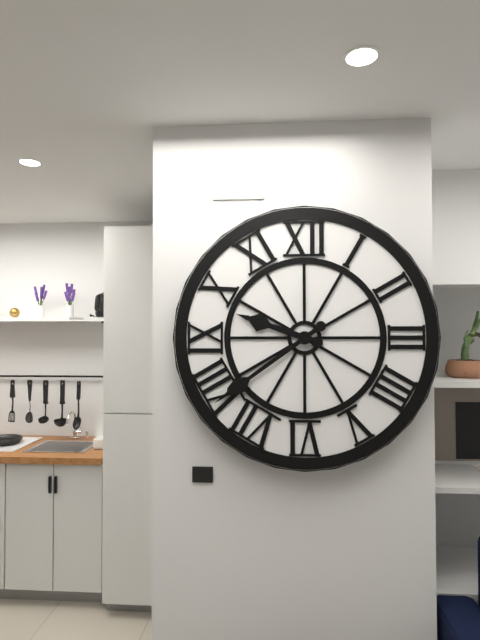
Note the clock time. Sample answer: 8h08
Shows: 9h39
